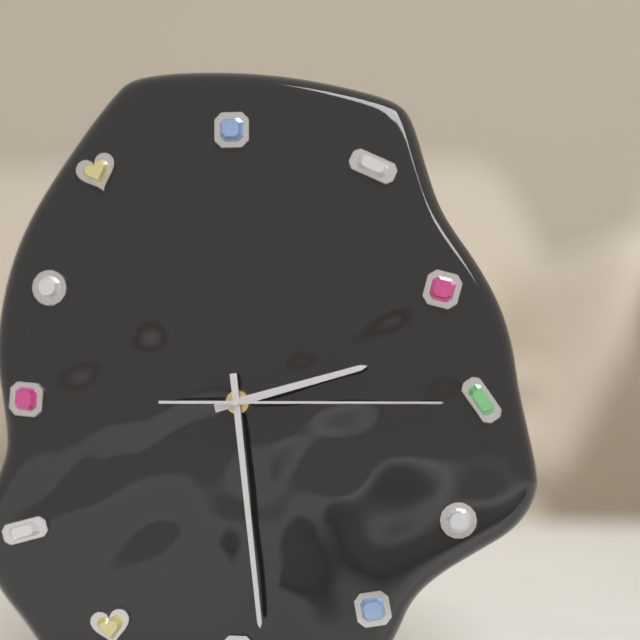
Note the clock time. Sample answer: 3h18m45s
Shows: 2h29m15s
